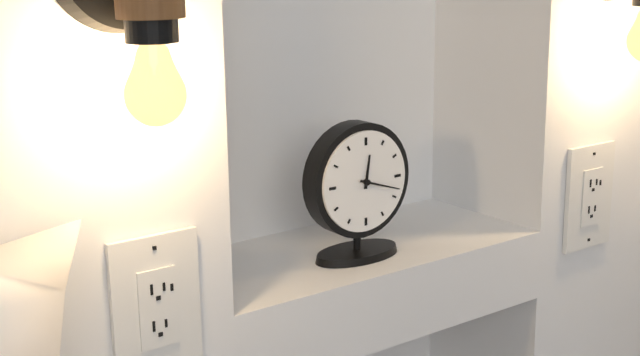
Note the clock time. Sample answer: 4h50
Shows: 12h18
